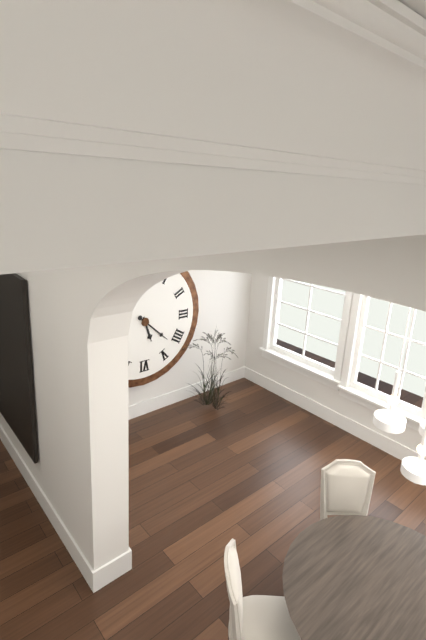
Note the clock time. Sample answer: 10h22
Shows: 5h22
